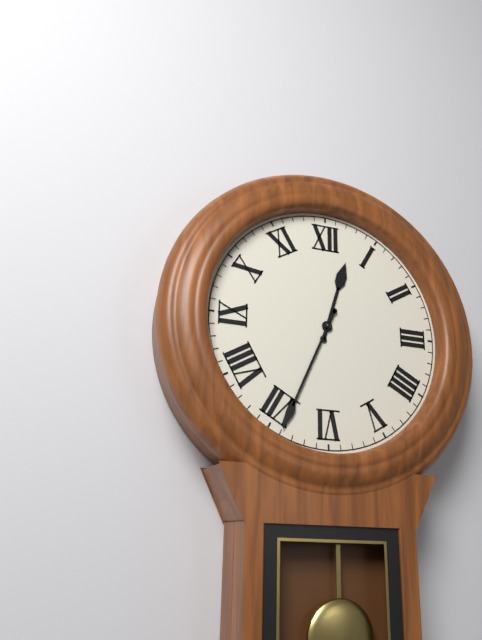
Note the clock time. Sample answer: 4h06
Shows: 12h34
